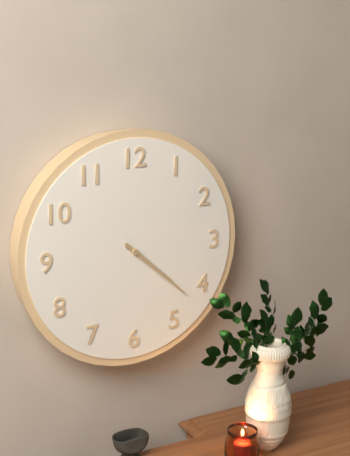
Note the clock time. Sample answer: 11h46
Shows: 4h22
